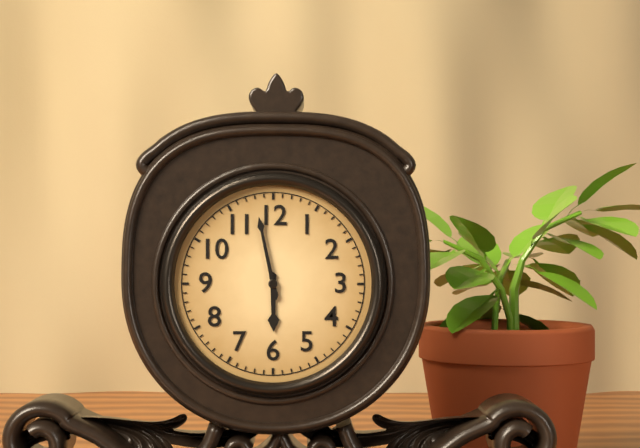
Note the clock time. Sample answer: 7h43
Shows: 5h58
